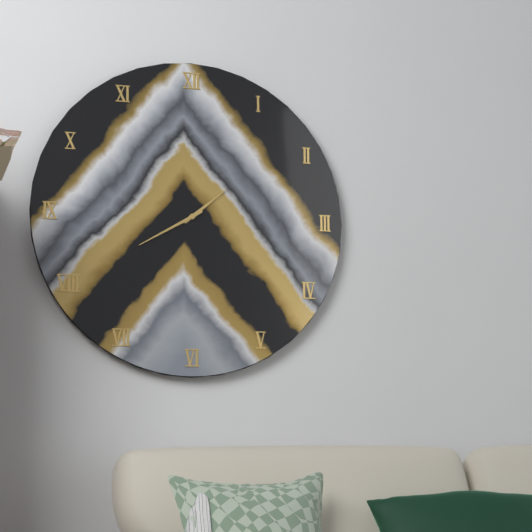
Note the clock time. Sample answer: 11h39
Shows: 1h40
